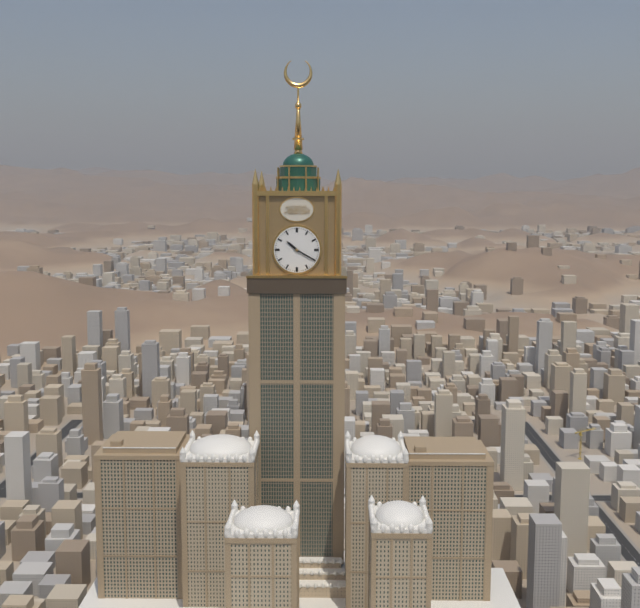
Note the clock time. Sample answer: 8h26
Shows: 10h20
